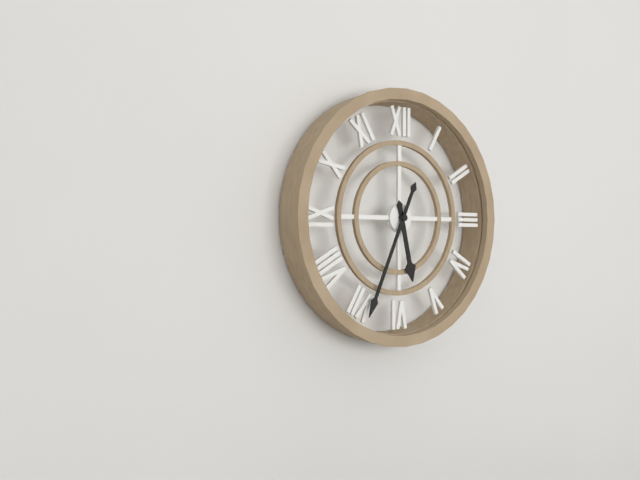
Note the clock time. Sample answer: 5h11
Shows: 5h34
